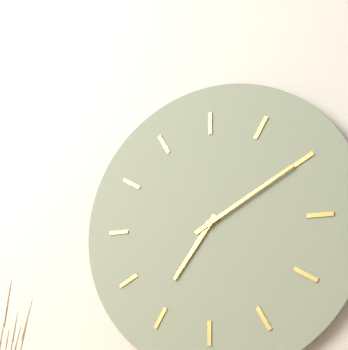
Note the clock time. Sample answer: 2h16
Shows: 7h10
